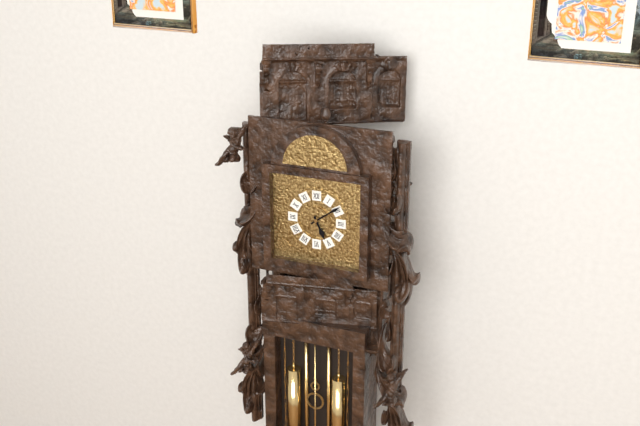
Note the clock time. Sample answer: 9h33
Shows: 5h09
